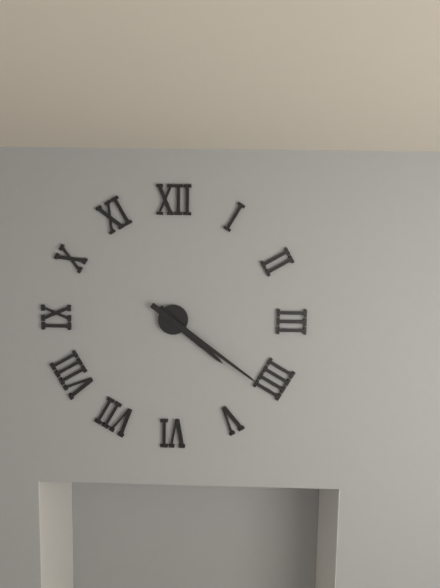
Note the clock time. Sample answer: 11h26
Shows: 4h21
